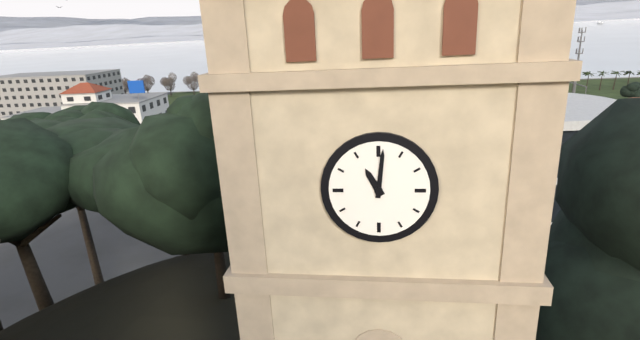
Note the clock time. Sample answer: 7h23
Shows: 11h01
